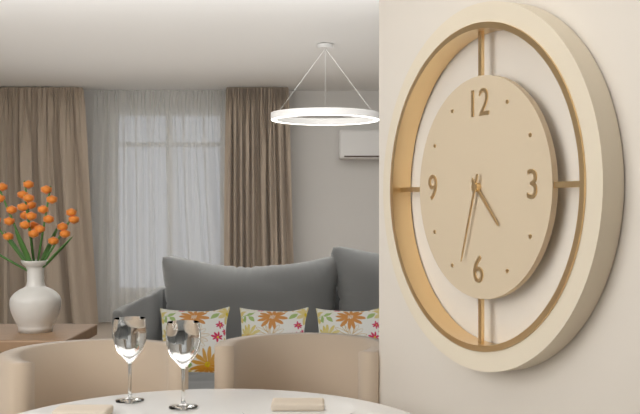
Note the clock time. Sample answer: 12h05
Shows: 4h33
